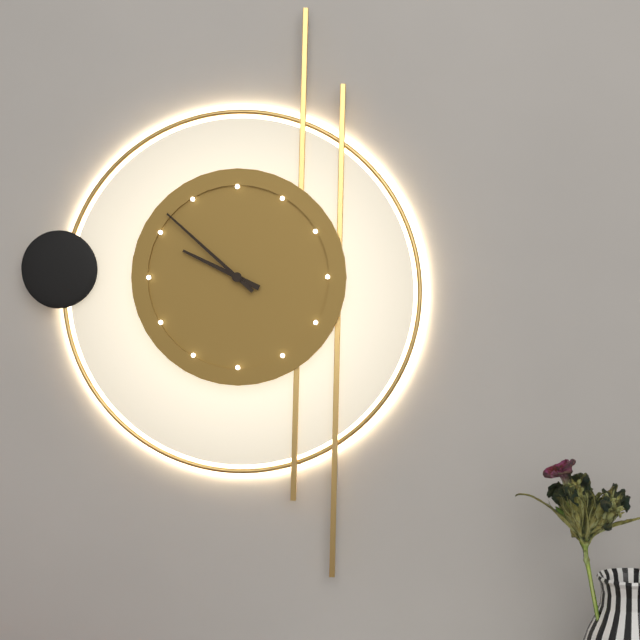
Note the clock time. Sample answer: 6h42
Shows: 9h52
